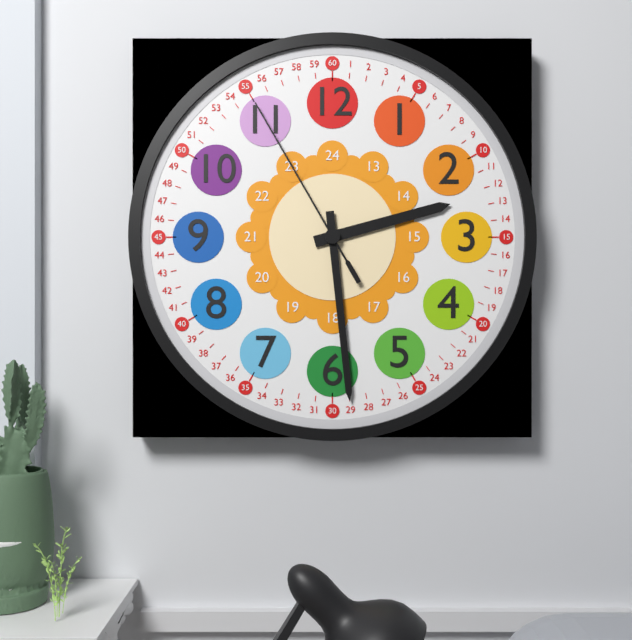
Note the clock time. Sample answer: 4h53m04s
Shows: 2h29m55s
